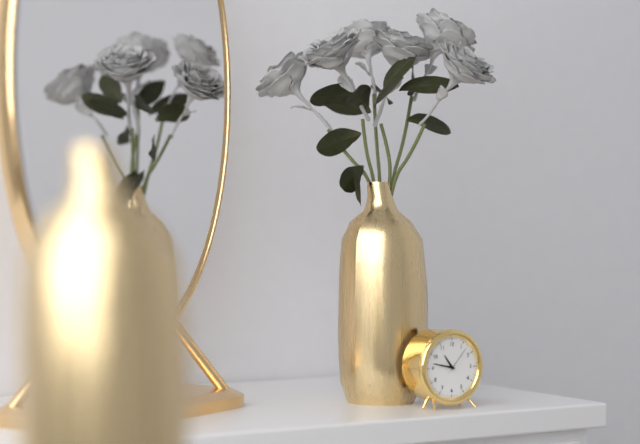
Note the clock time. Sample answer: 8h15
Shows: 10h47
